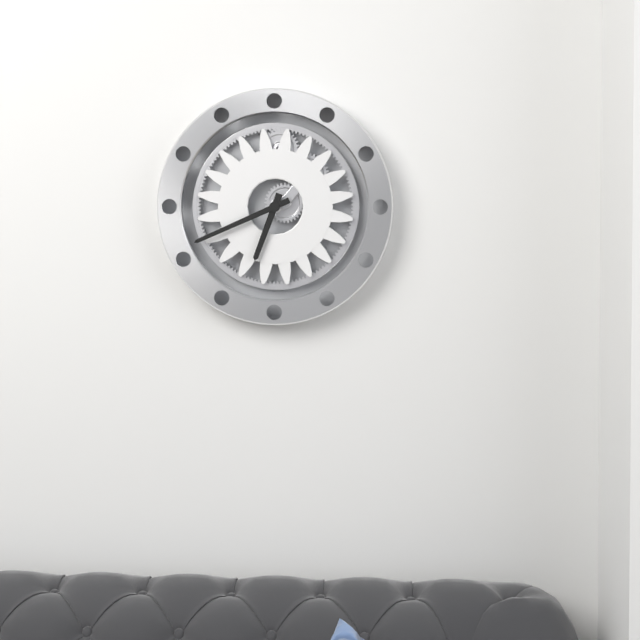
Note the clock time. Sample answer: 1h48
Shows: 6h41
